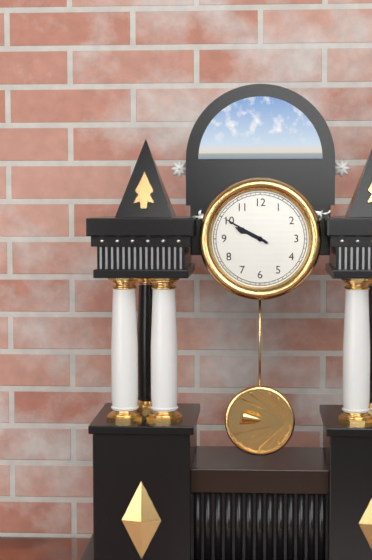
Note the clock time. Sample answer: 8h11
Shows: 9h50
